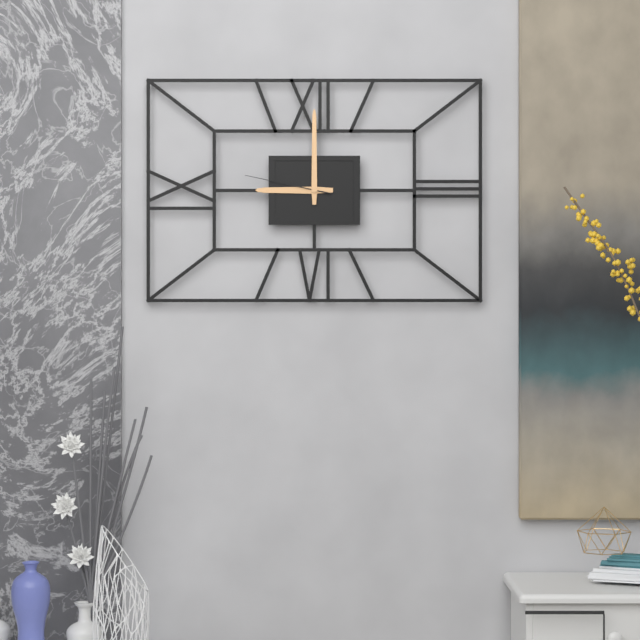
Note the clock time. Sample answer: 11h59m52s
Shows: 9h00m47s
